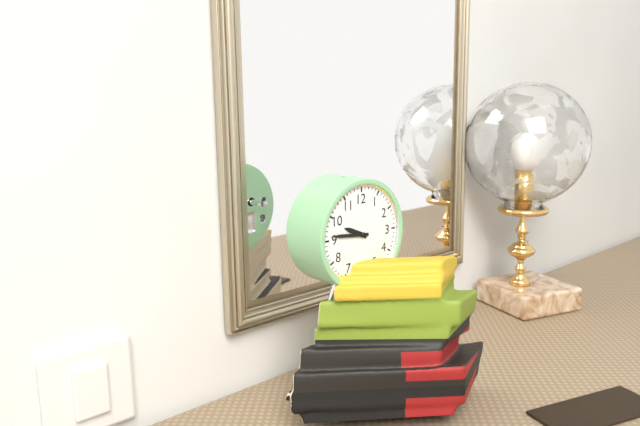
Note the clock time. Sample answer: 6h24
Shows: 9h46
